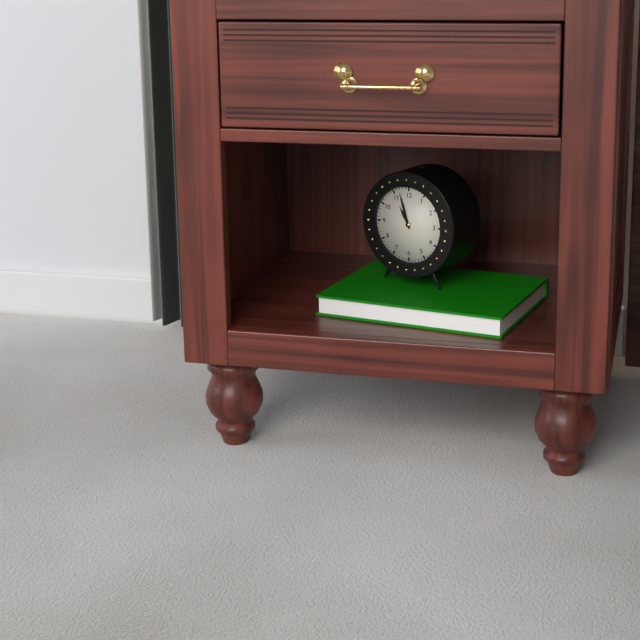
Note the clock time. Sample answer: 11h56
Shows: 10h57
